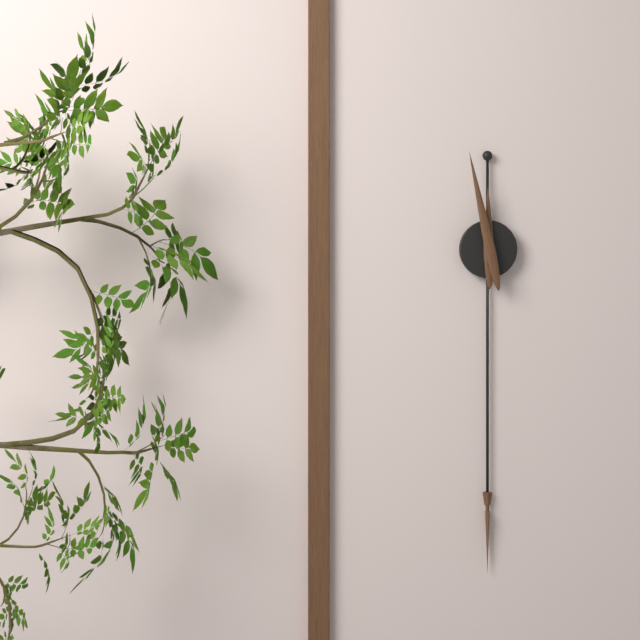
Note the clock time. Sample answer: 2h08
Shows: 11h58
